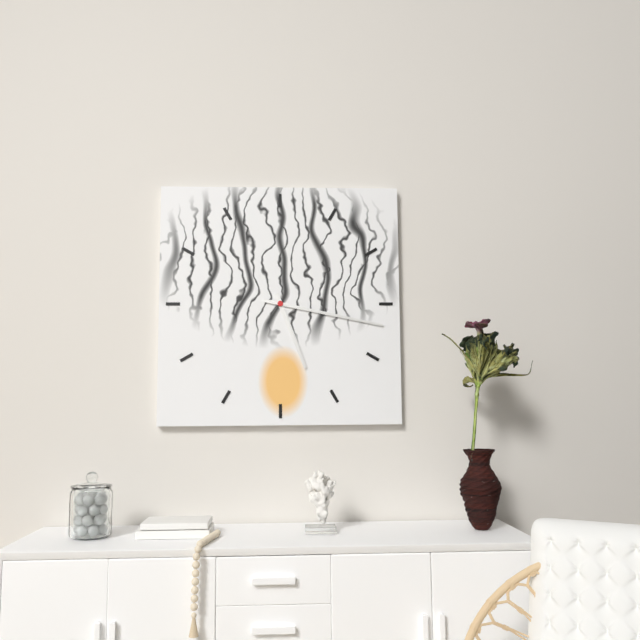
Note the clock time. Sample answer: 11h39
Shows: 5h17
